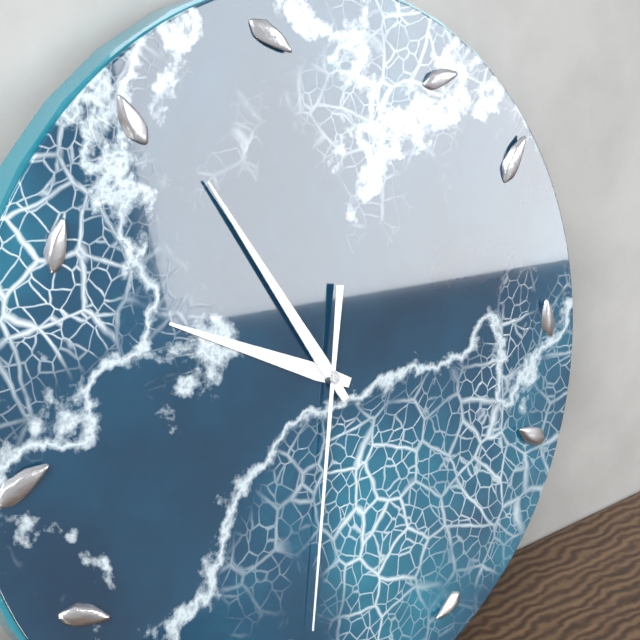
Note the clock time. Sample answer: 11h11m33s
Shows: 9h55m32s
